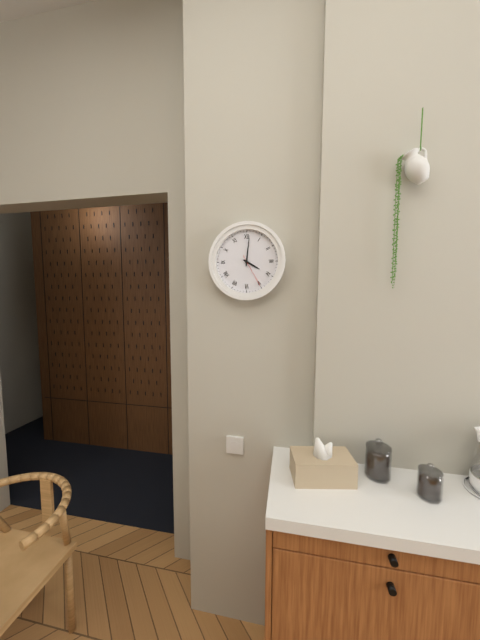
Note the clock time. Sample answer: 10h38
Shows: 4h01
